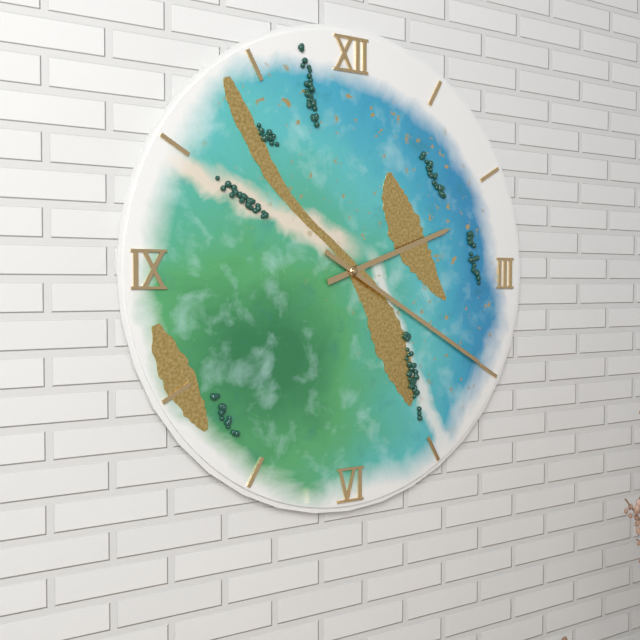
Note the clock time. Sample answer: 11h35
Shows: 2h20
